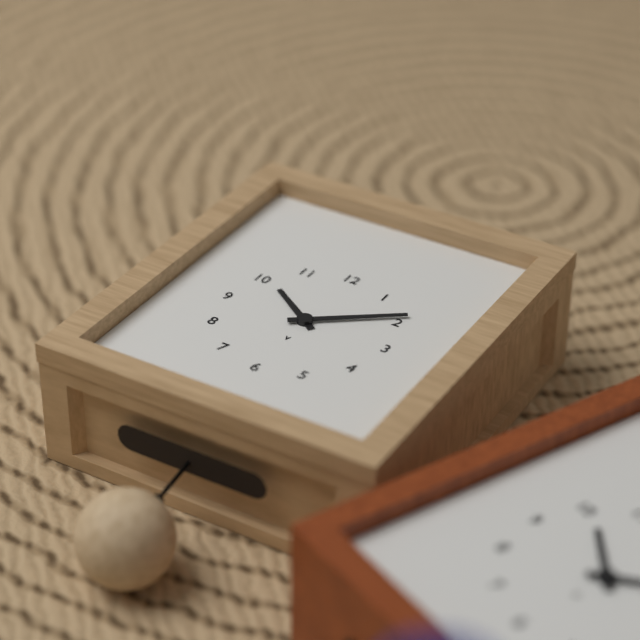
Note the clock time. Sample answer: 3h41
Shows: 10h09
